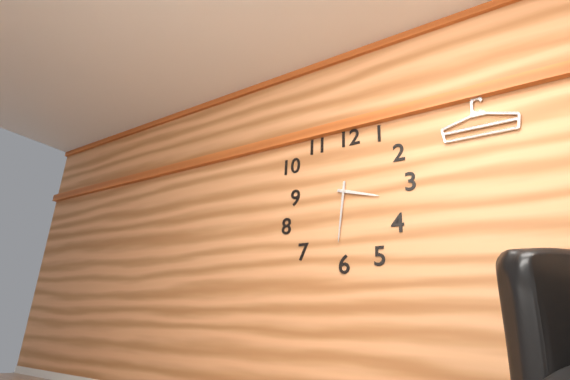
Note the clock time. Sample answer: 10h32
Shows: 3h31
